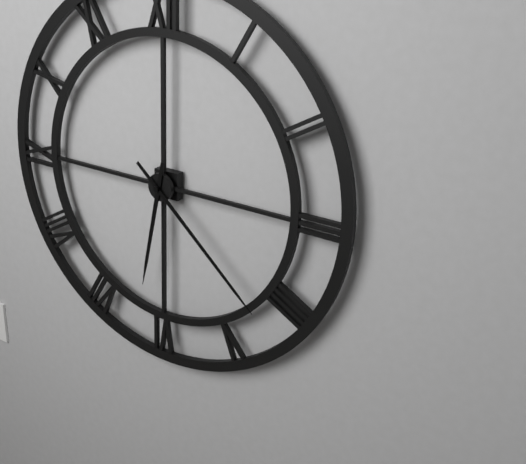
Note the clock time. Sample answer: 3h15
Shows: 6h22
